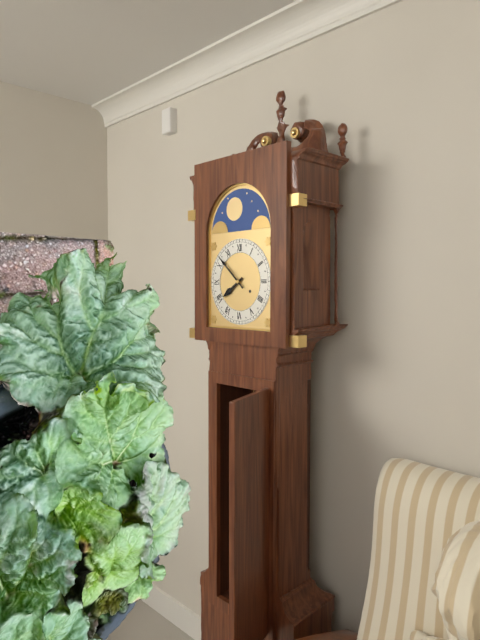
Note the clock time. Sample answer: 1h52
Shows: 7h52
